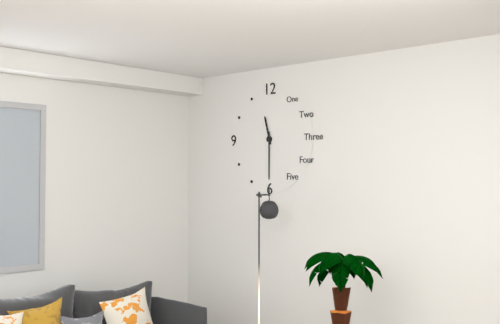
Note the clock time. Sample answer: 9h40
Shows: 11h30
